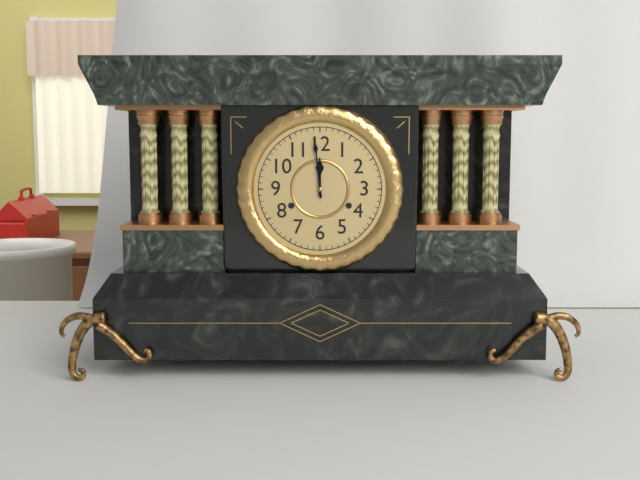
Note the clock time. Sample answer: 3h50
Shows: 11h59
